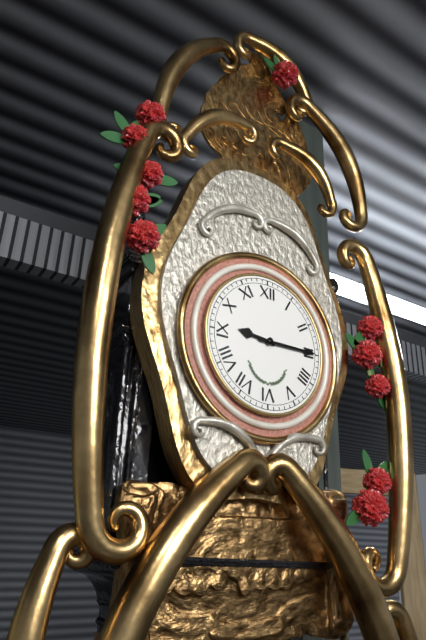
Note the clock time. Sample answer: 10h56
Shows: 9h15
